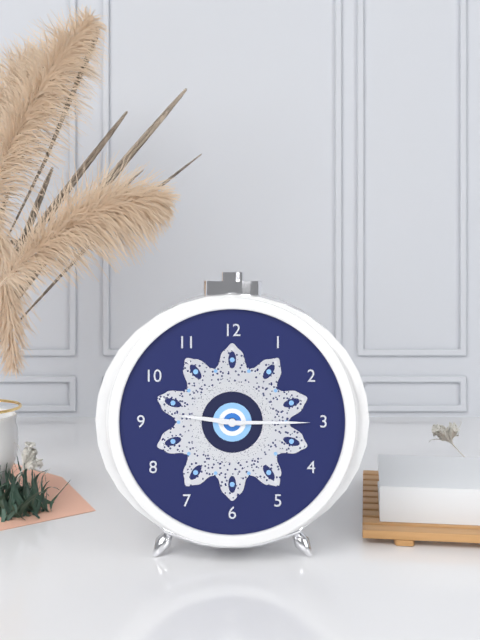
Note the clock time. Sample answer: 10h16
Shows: 9h15
